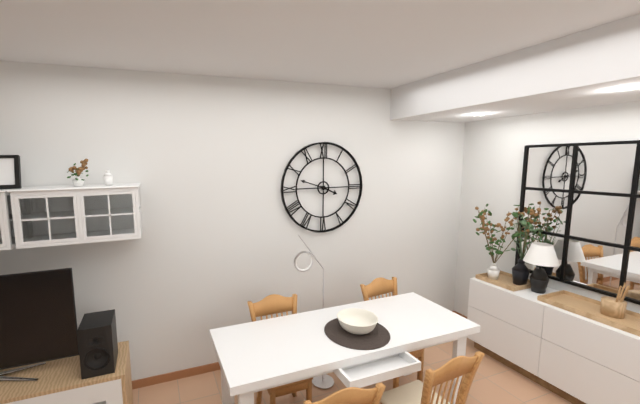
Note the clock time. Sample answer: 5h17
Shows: 3h48
